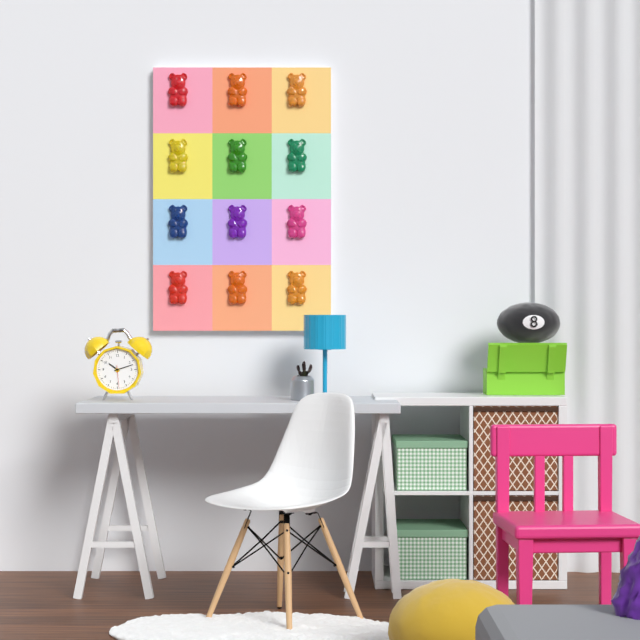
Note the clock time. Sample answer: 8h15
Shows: 10h12
